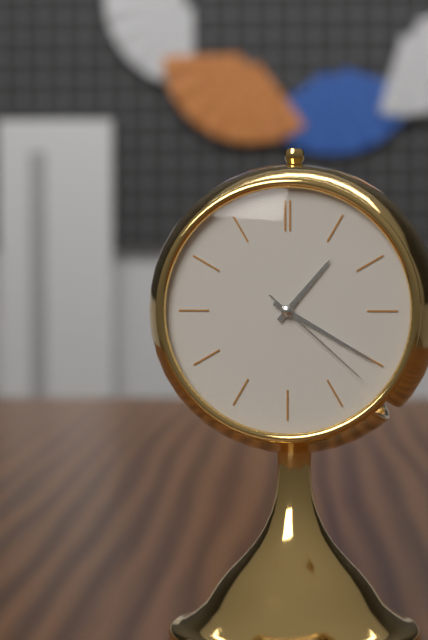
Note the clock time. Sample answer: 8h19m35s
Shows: 1h20m22s
